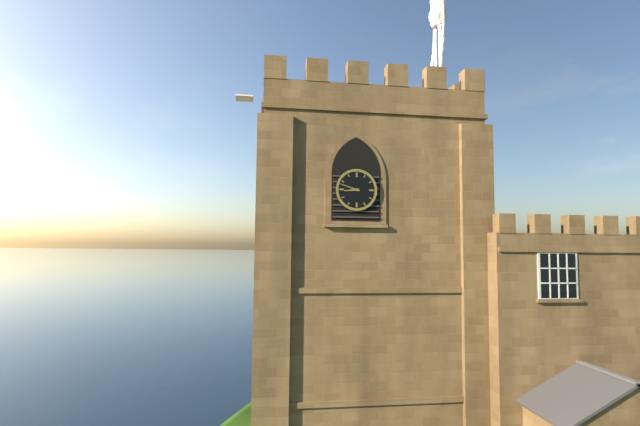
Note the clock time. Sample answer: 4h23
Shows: 8h48
